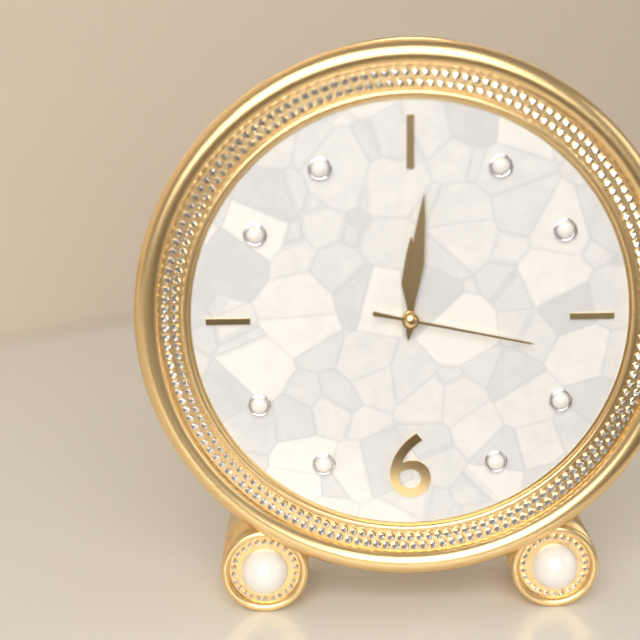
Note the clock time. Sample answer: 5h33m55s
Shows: 12h01m17s
